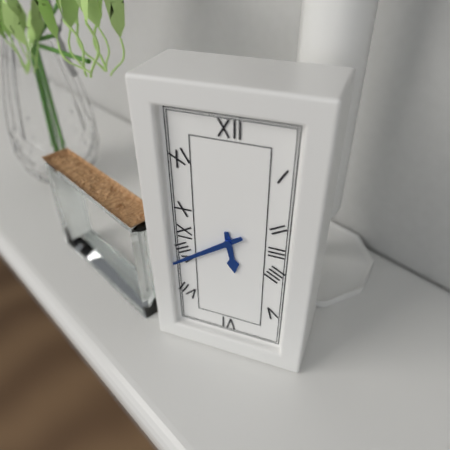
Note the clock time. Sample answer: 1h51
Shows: 5h39
